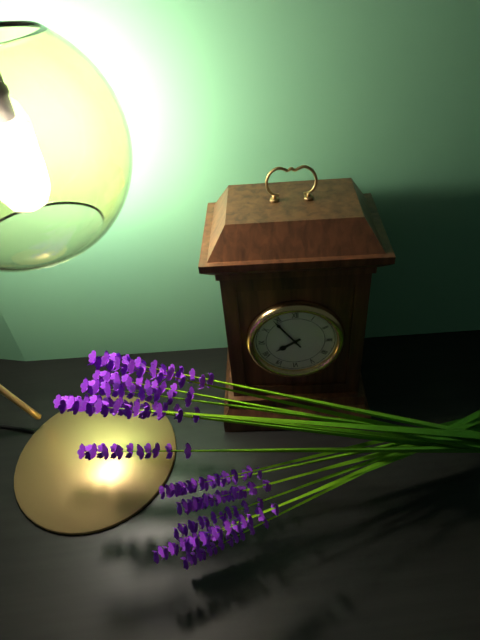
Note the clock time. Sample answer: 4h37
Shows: 7h54
